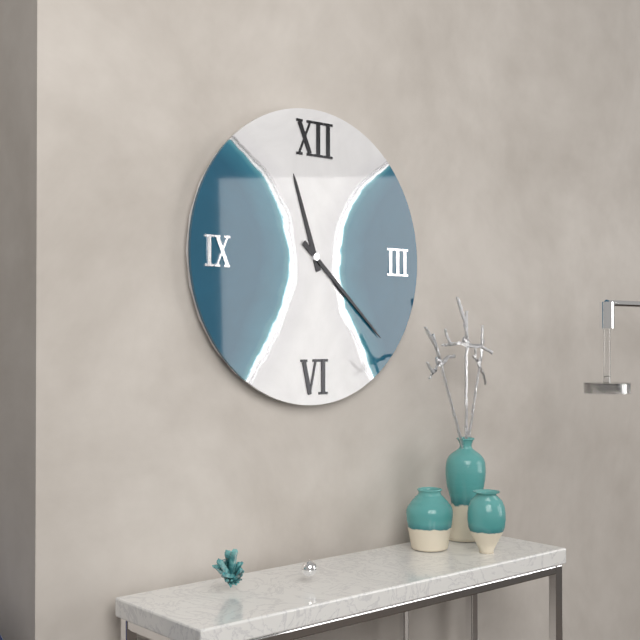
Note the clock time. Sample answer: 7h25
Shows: 11h22
